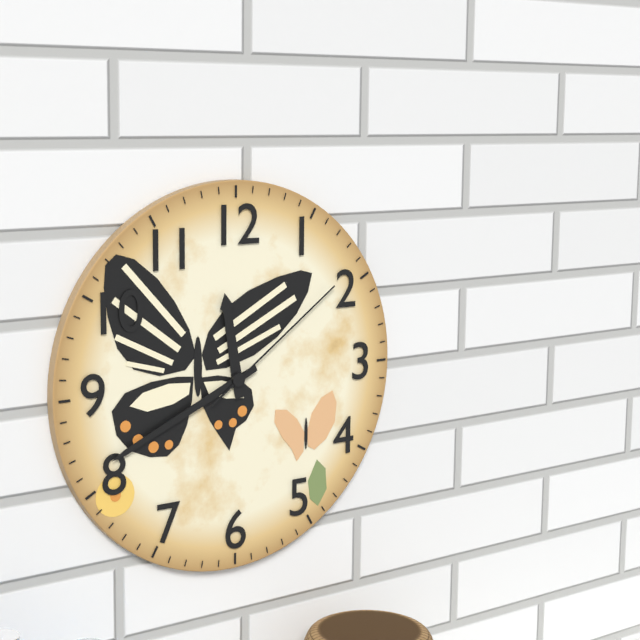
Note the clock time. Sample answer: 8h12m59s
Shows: 11h41m09s
